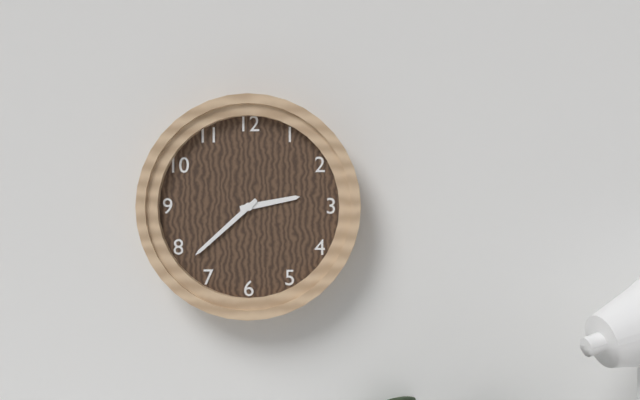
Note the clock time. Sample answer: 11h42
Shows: 2h38
